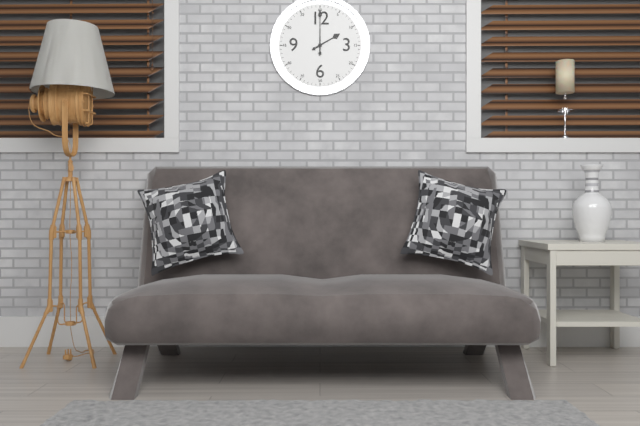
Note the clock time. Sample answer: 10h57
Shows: 2h00
